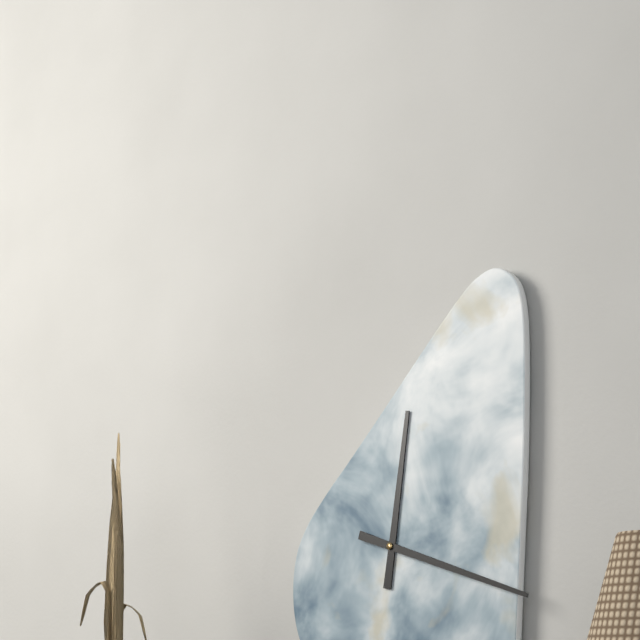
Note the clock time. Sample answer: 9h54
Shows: 12h18
